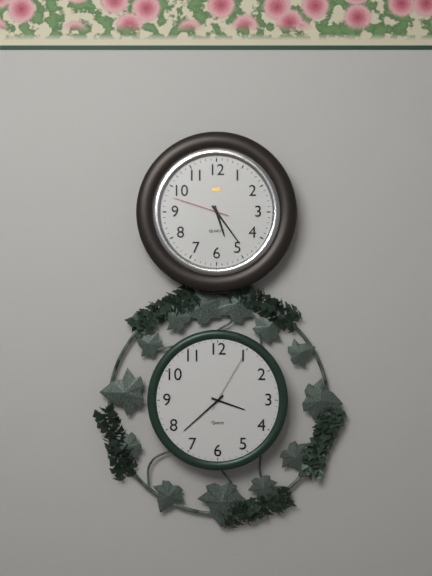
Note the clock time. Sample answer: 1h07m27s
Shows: 5h24m48s
